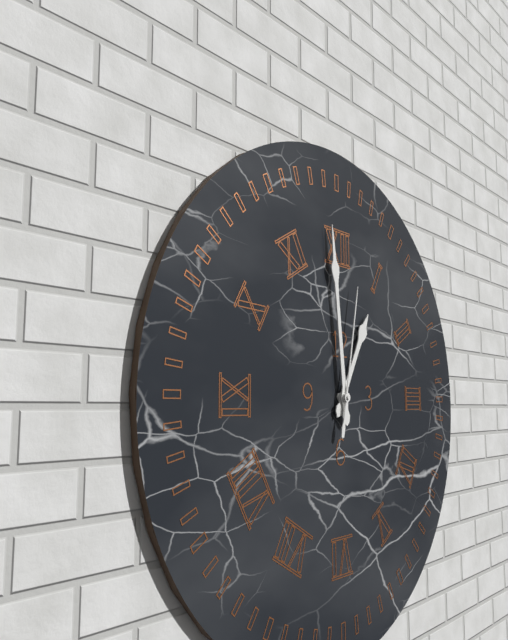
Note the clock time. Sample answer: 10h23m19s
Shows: 12h59m02s
